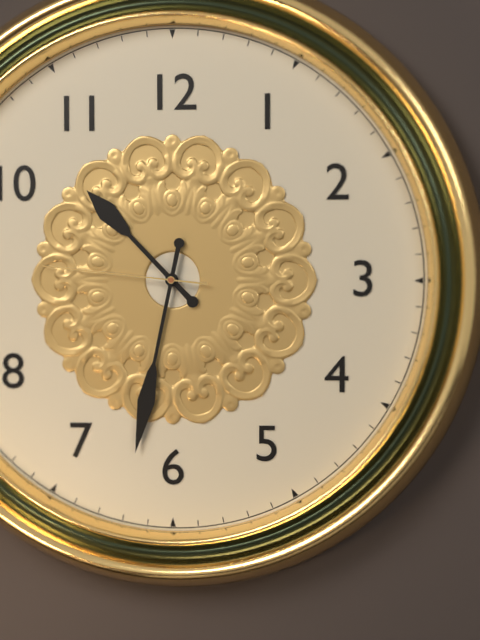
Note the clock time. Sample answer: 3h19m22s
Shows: 10h32m46s
